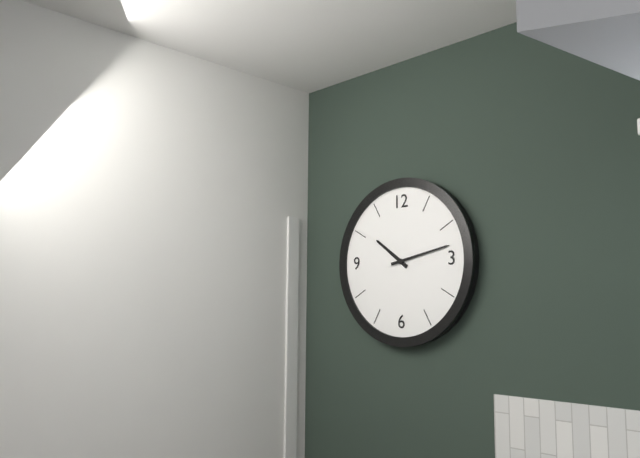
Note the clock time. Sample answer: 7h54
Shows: 10h13
